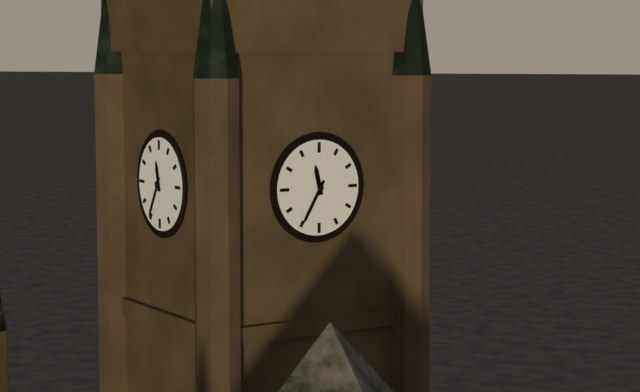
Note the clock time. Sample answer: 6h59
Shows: 11h35
